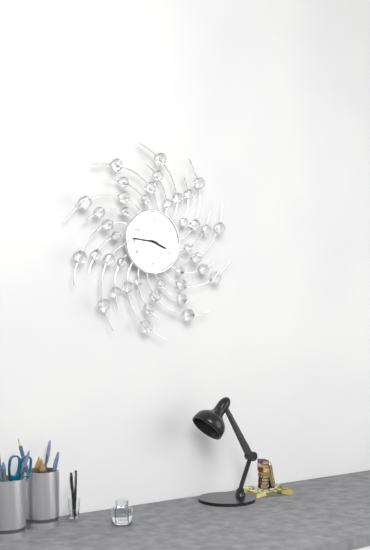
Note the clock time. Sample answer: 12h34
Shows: 3h46
